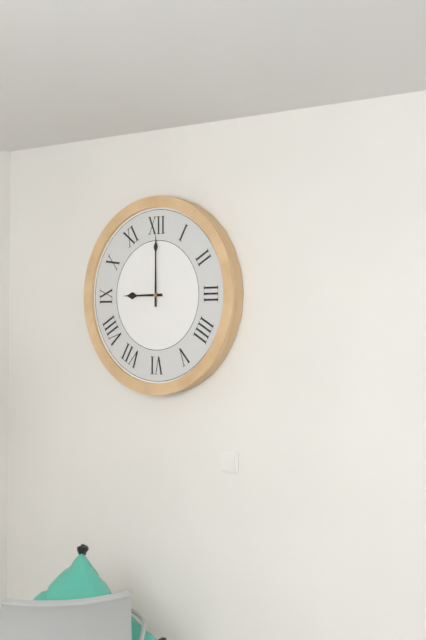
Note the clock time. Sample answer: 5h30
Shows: 9h00
